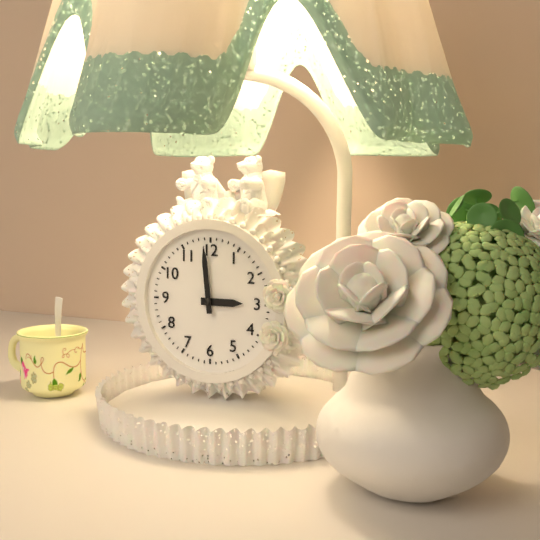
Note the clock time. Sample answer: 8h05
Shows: 2h59
